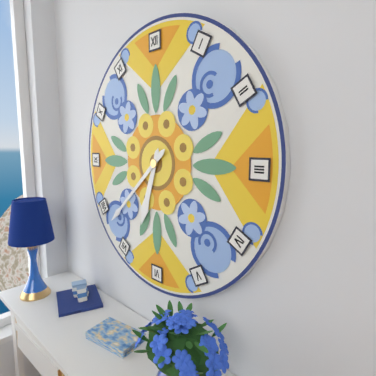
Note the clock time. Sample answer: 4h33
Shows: 6h38
